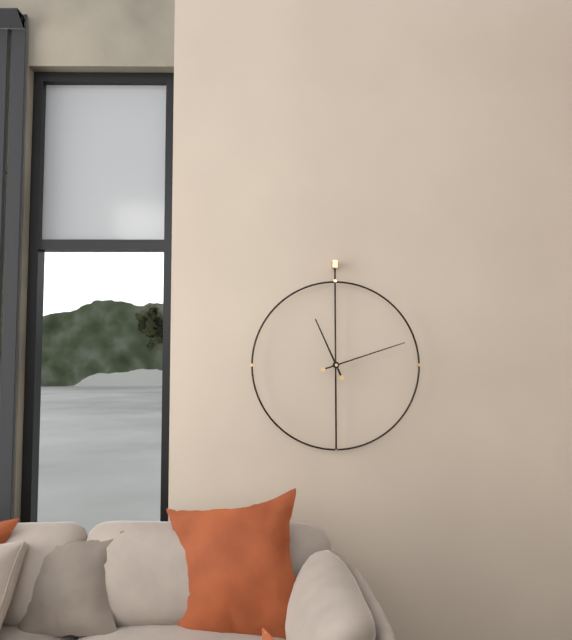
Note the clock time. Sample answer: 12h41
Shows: 11h12
